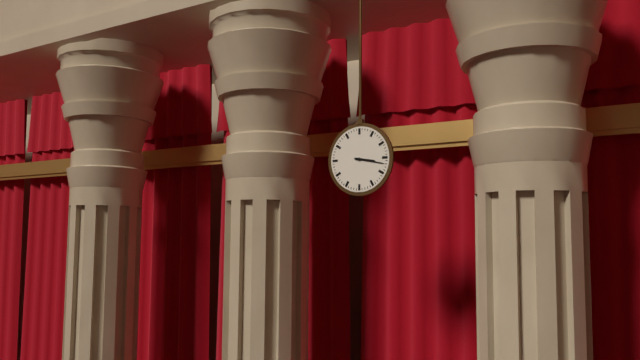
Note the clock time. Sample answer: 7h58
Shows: 3h17
